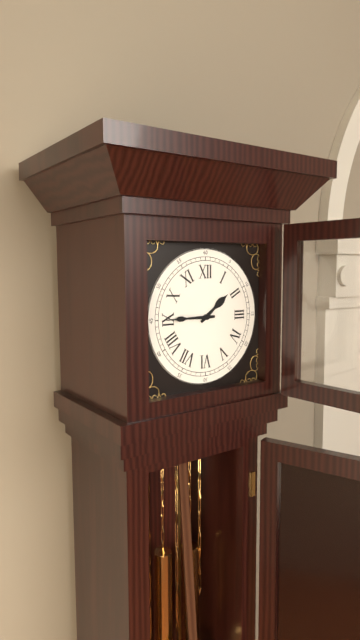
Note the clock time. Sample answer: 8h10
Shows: 1h45
